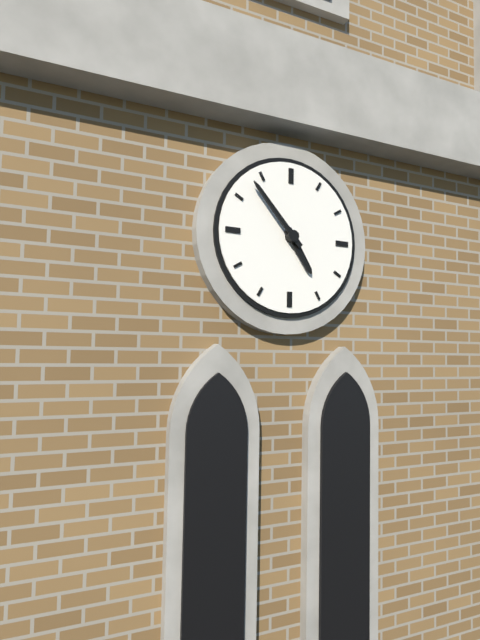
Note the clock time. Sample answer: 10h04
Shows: 4h53
